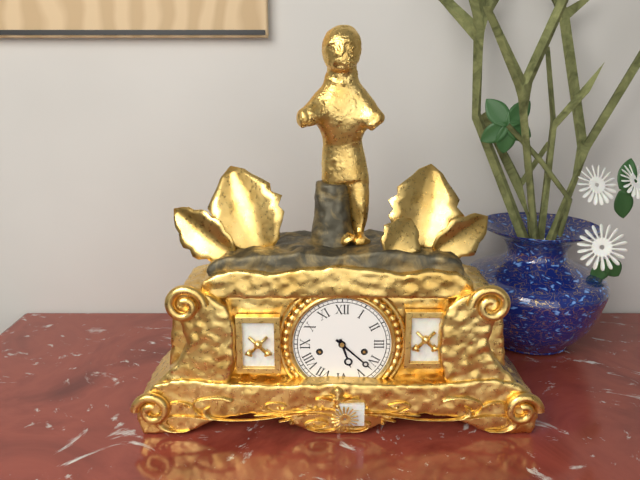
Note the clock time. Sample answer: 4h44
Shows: 5h22
